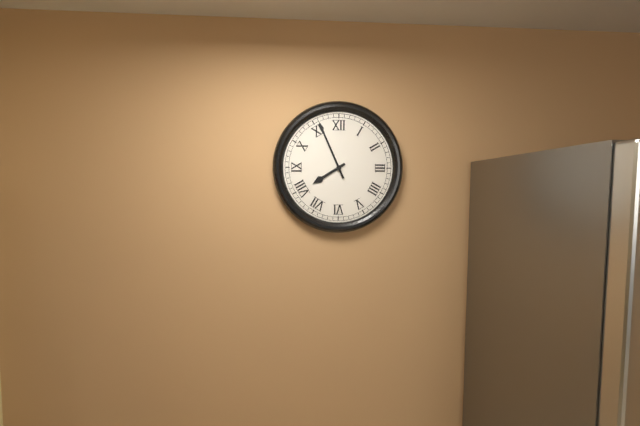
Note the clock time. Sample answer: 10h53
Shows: 7h56
